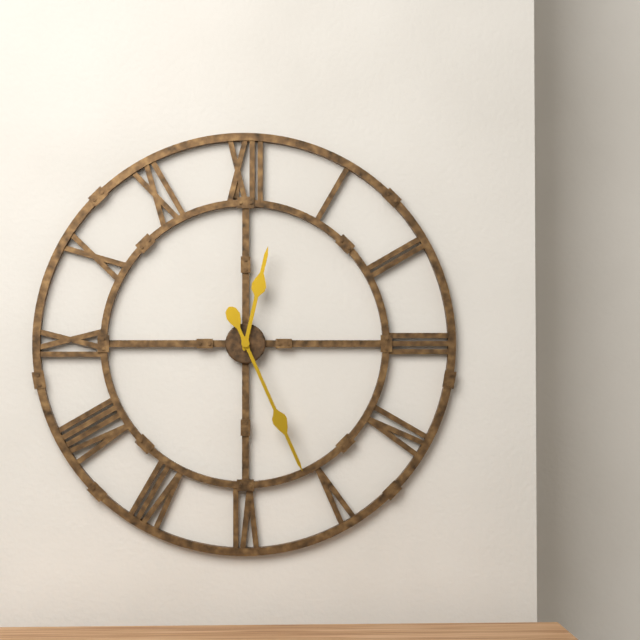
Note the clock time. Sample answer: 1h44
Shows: 12h26
